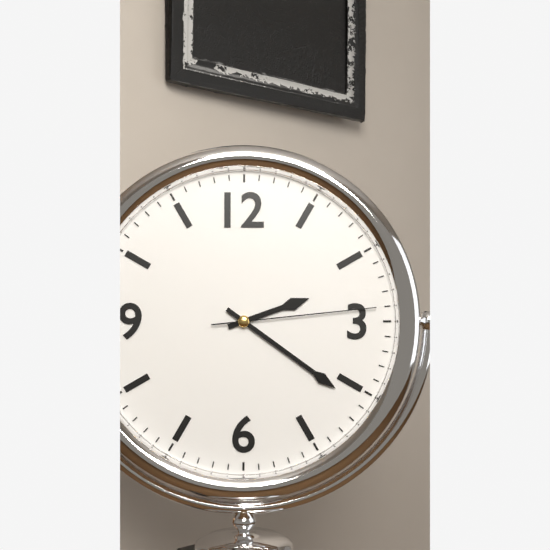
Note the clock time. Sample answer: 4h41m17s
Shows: 2h21m14s
